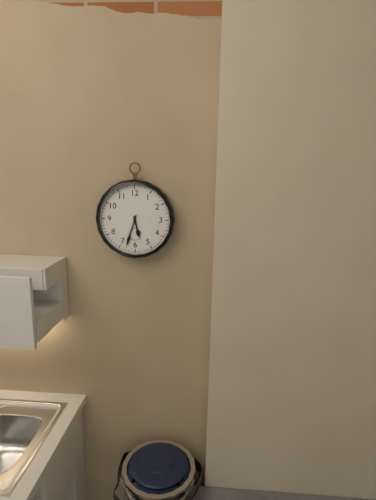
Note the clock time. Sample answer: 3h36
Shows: 5h33
